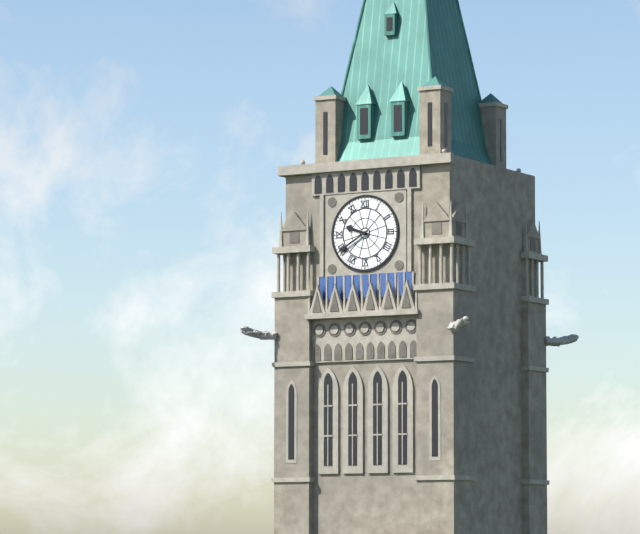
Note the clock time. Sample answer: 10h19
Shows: 9h40
